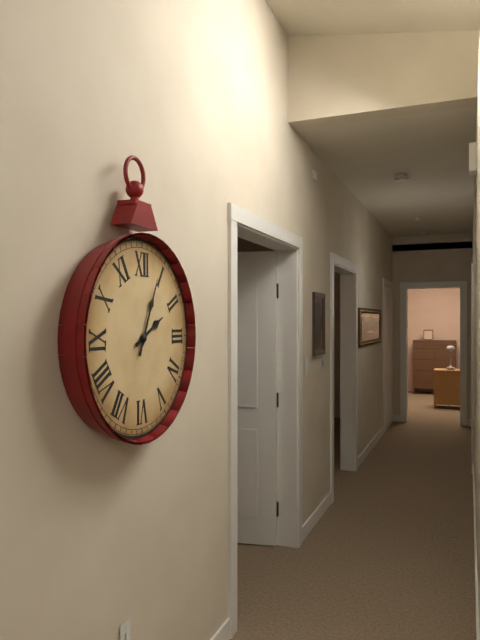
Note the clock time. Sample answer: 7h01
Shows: 2h04
